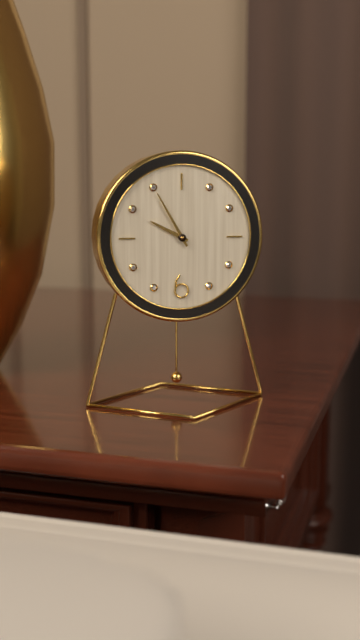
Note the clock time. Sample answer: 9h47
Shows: 9h55
